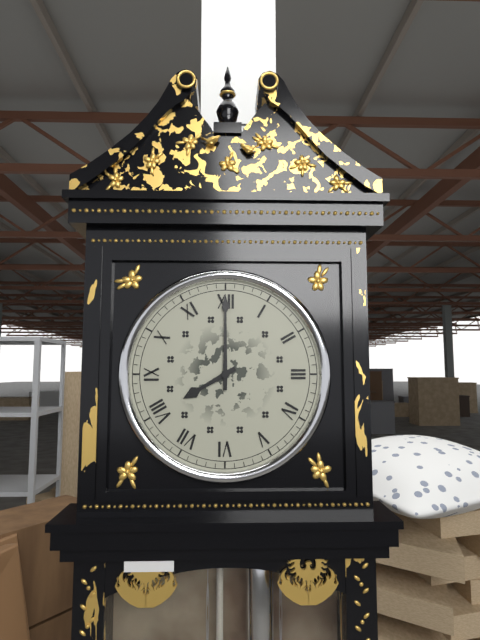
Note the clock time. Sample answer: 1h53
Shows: 8h00
